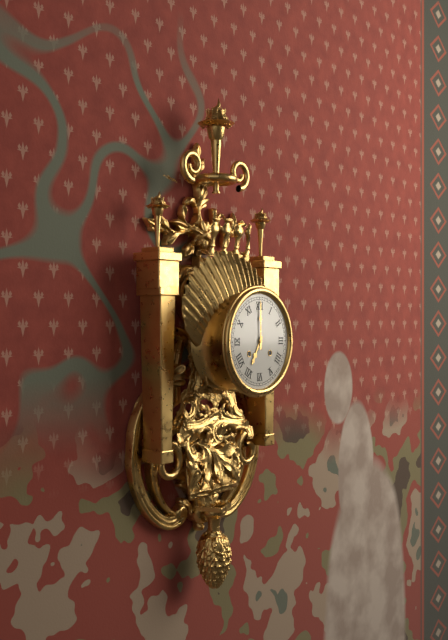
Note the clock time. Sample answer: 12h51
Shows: 7h00
